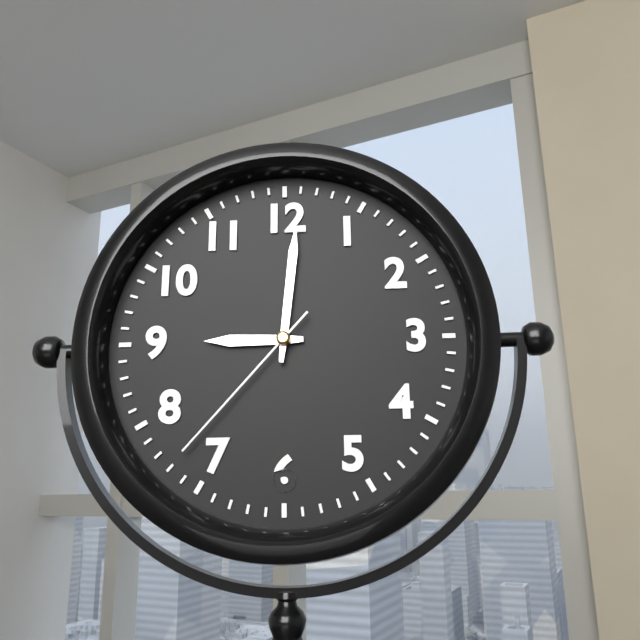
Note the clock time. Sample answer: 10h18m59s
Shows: 9h01m37s
